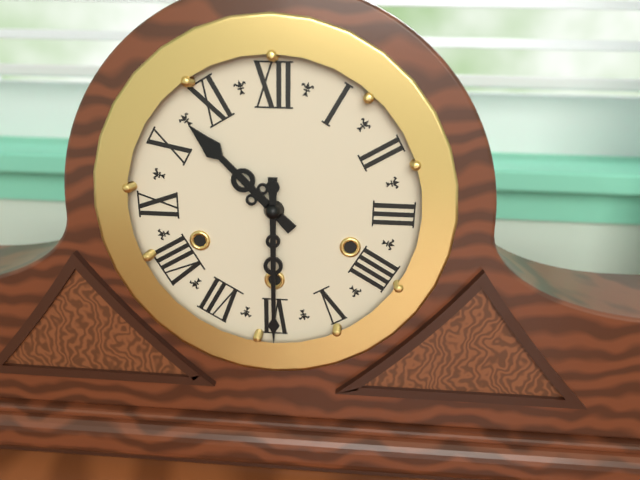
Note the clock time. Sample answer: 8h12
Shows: 10h30
